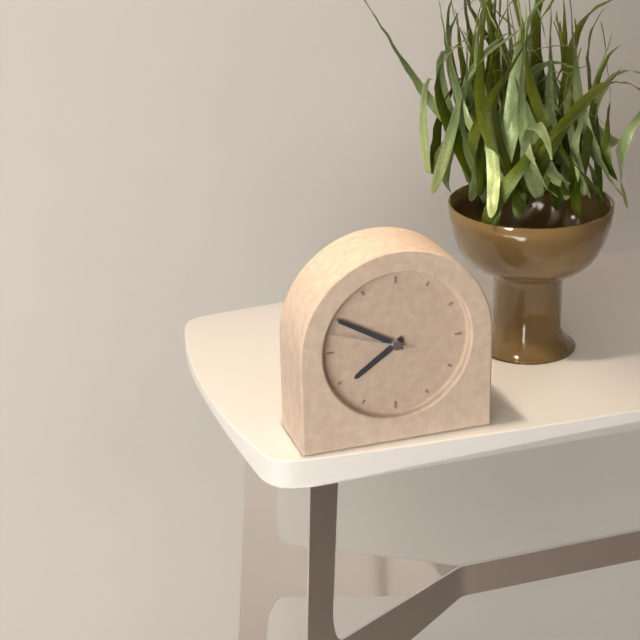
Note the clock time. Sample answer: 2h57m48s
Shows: 7h50m48s
